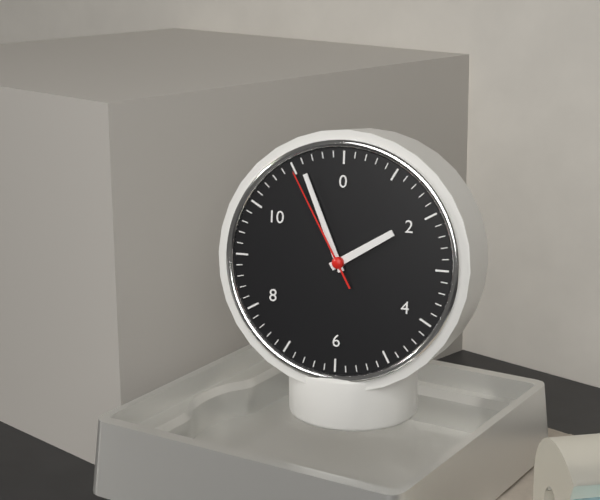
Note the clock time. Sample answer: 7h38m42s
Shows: 1h56m55s
